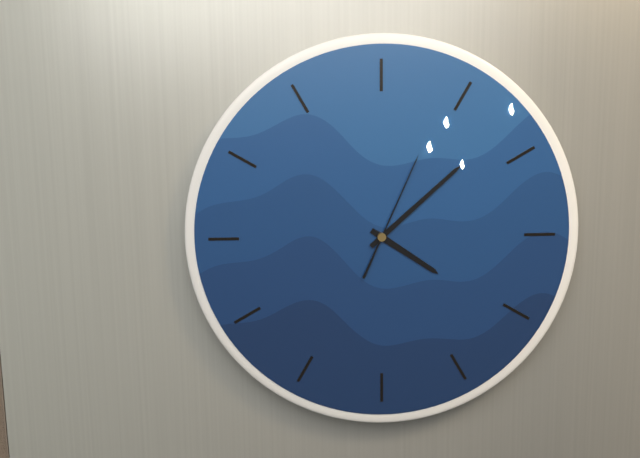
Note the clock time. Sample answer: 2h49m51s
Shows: 4h08m04s
